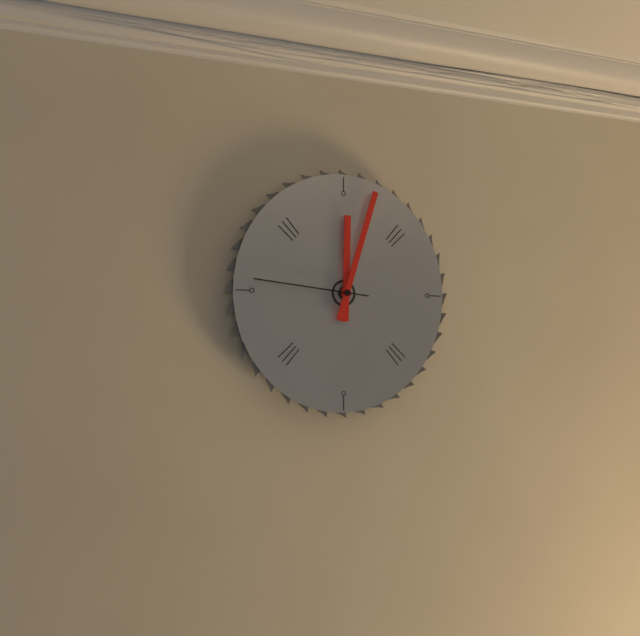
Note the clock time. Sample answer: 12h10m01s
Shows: 12h03m46s
